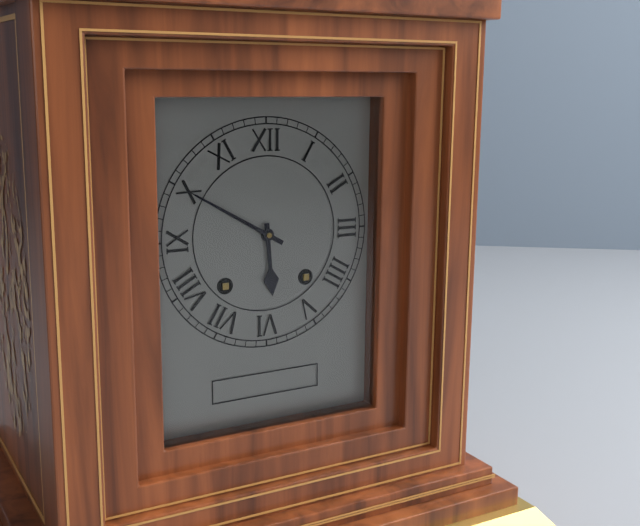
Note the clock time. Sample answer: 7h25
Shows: 5h50
